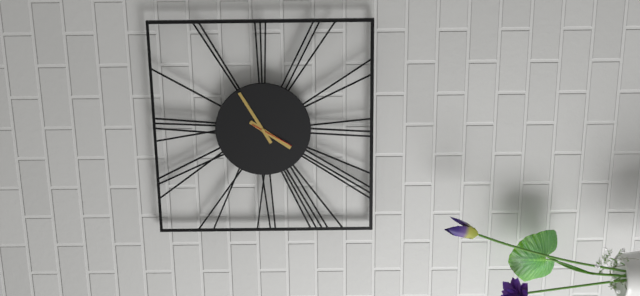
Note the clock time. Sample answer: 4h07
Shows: 7h10
